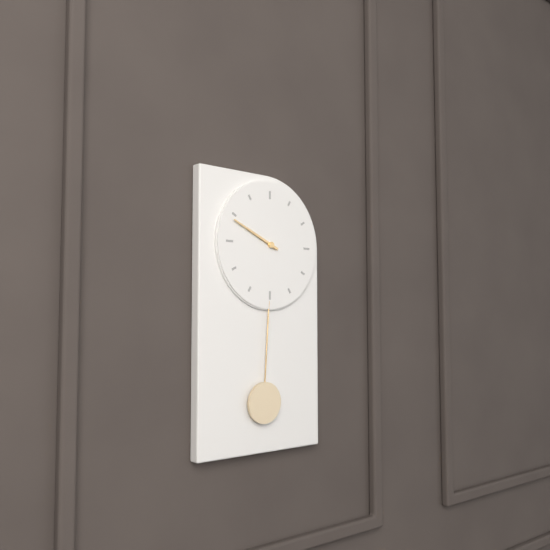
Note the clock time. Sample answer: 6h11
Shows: 9h49
